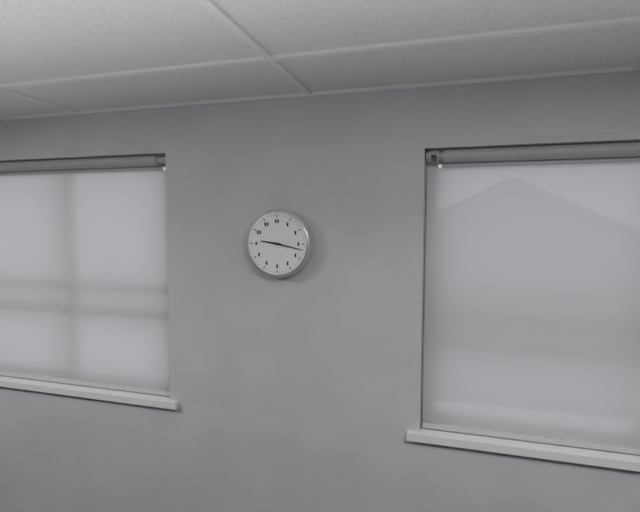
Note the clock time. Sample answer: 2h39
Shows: 9h17
